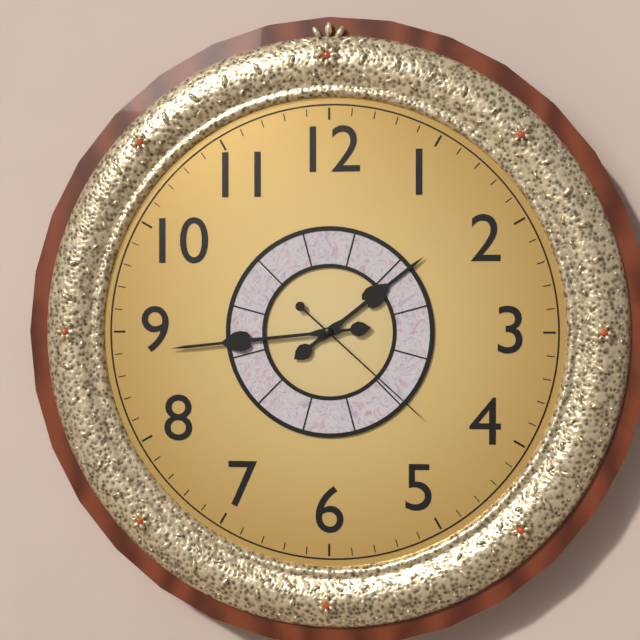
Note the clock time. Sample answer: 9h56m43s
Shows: 1h44m22s
